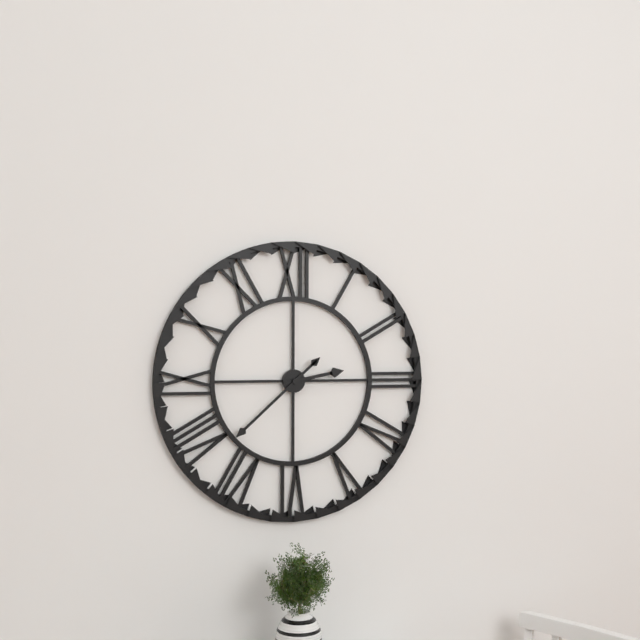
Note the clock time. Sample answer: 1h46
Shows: 2h38
